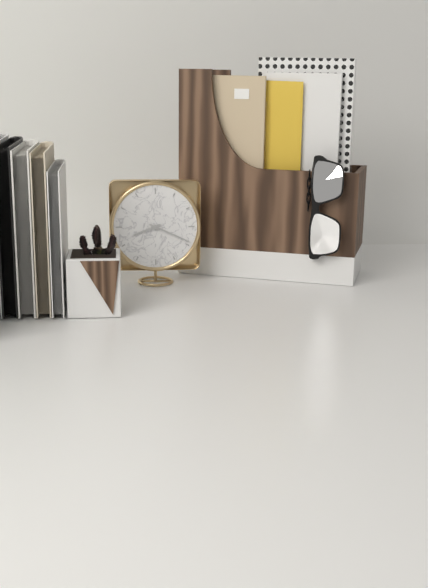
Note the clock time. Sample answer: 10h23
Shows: 8h19
